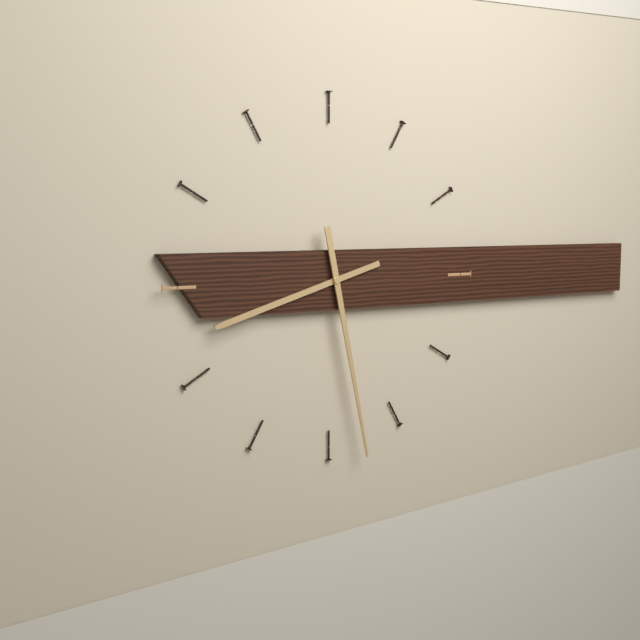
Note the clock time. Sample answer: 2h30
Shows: 8h28
